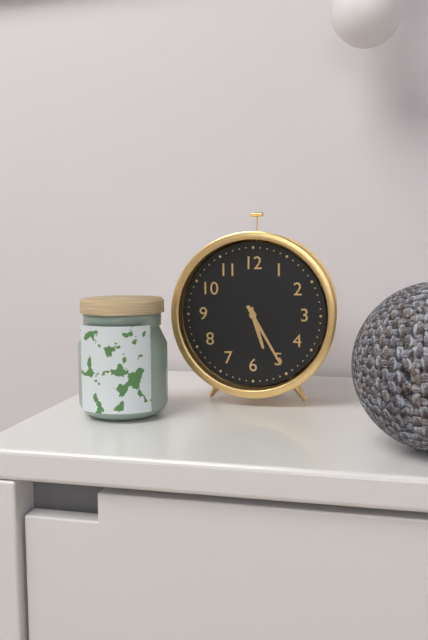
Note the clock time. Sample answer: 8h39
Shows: 5h25
